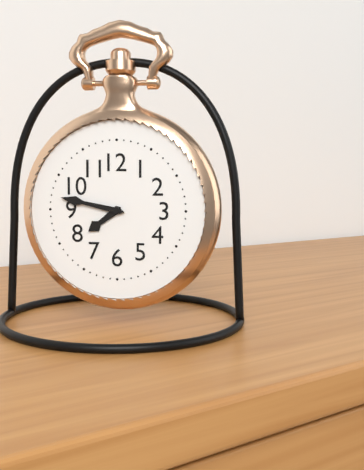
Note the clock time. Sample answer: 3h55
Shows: 7h47
